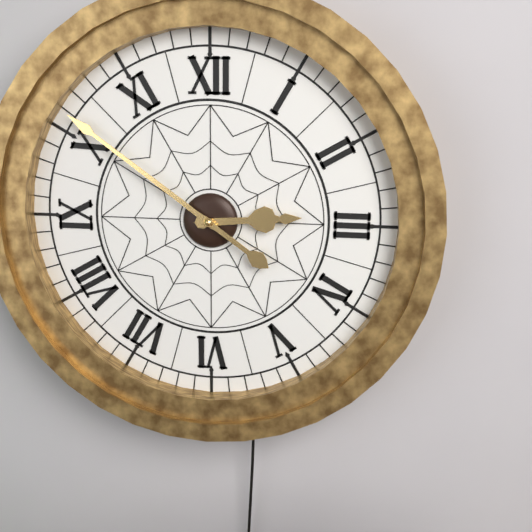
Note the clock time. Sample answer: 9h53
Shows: 2h51
